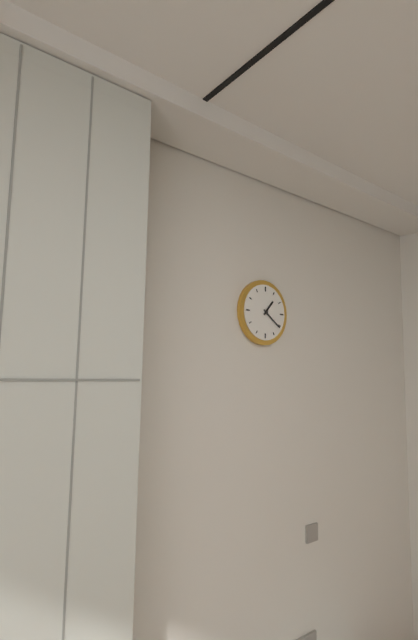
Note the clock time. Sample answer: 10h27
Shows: 1h21
